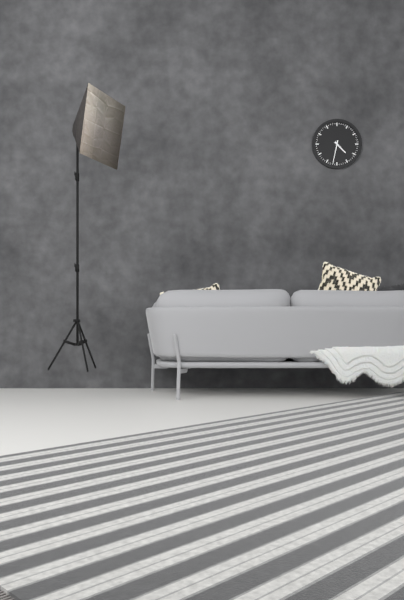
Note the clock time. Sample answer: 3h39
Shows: 4h32
